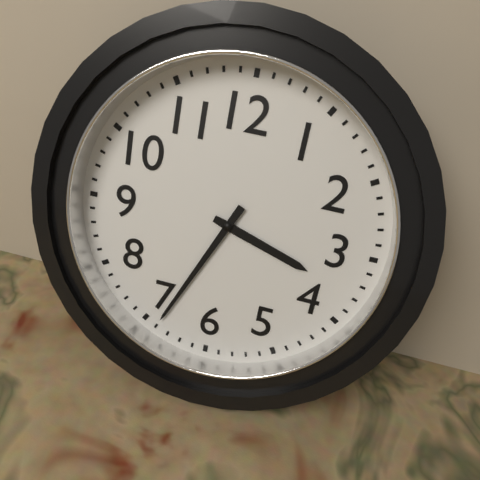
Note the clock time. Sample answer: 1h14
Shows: 3h34
